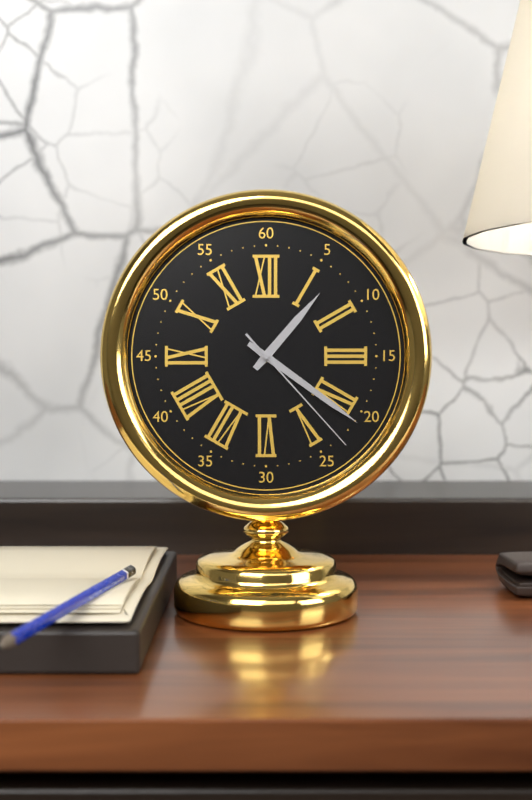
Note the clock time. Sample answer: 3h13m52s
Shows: 1h21m23s
